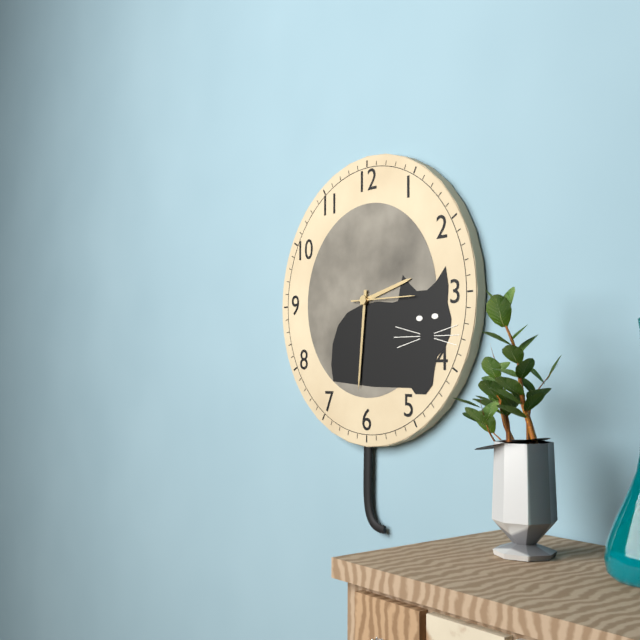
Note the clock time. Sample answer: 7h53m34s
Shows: 2h31m15s
